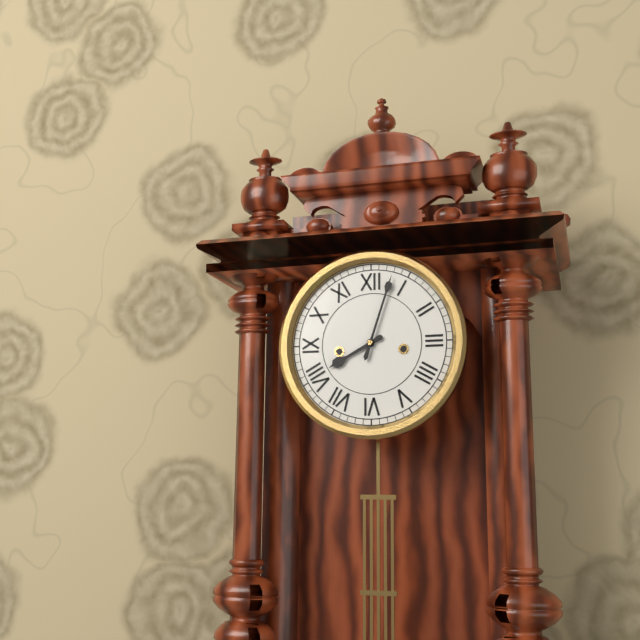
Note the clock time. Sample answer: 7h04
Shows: 8h03
